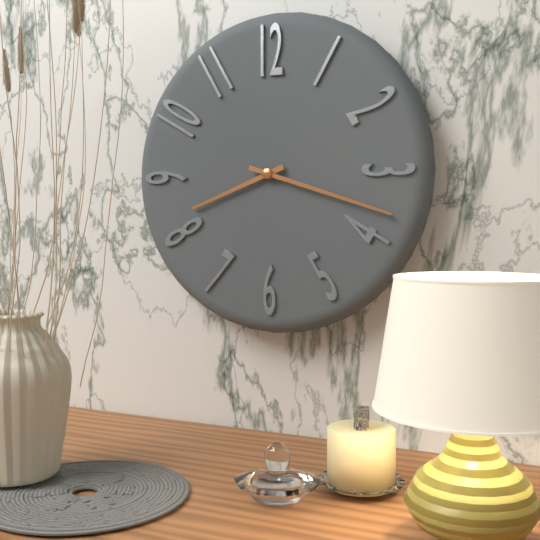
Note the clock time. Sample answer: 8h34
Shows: 8h18
